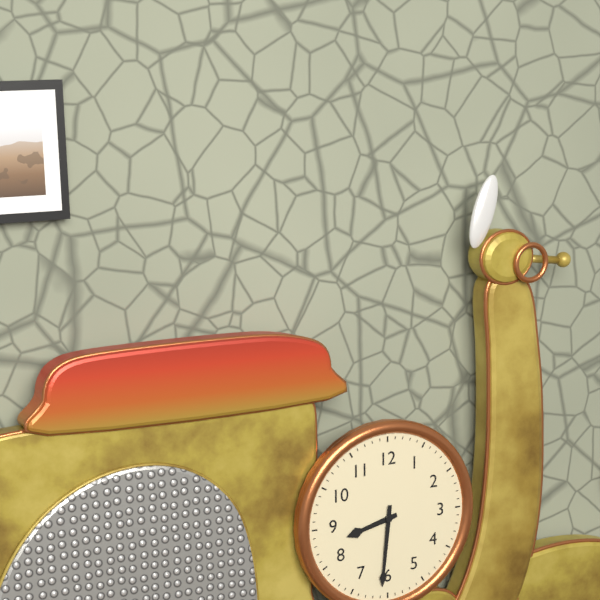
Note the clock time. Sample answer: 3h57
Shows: 8h31
